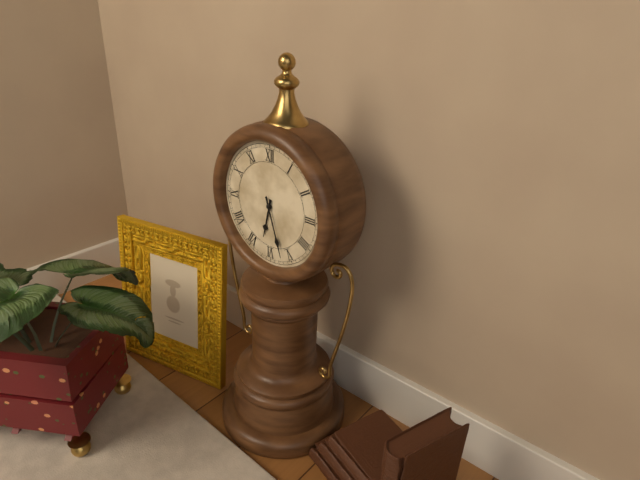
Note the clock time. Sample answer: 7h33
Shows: 6h27
